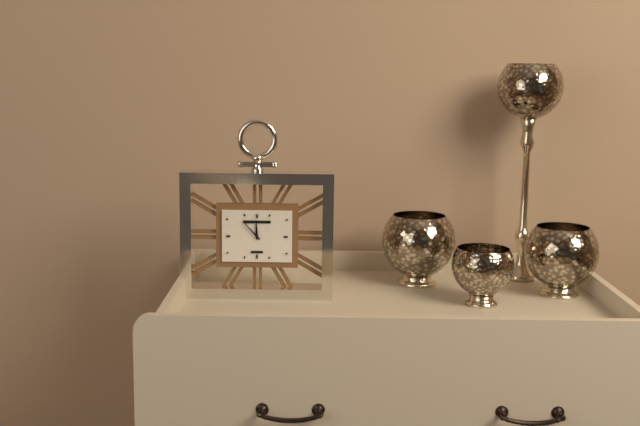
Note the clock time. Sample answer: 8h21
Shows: 11h53
